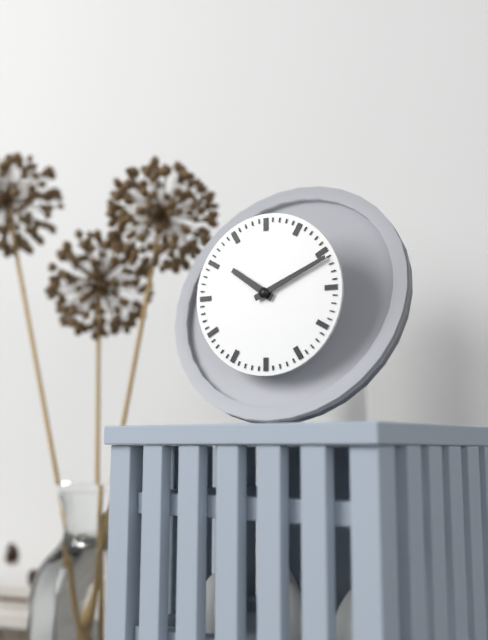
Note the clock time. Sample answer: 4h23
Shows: 10h11
